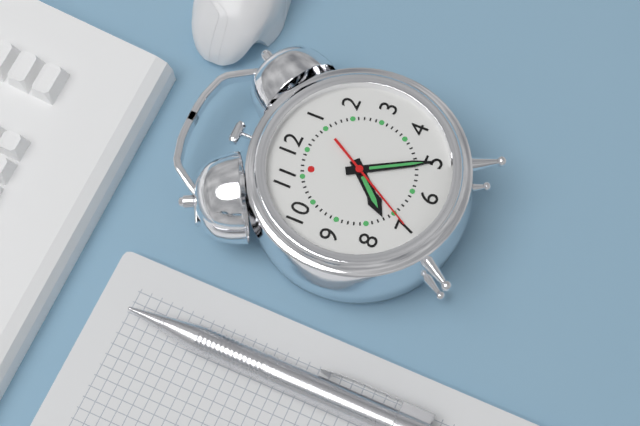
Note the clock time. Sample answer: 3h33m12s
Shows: 7h25m35s
